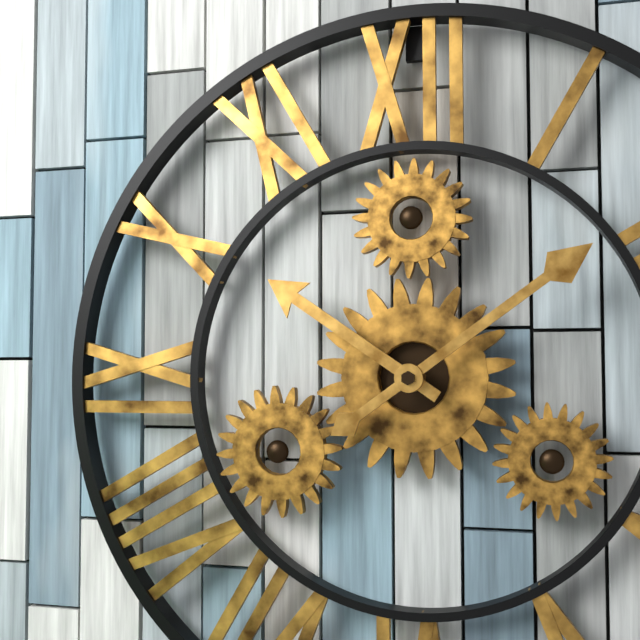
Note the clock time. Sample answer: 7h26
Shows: 10h09
